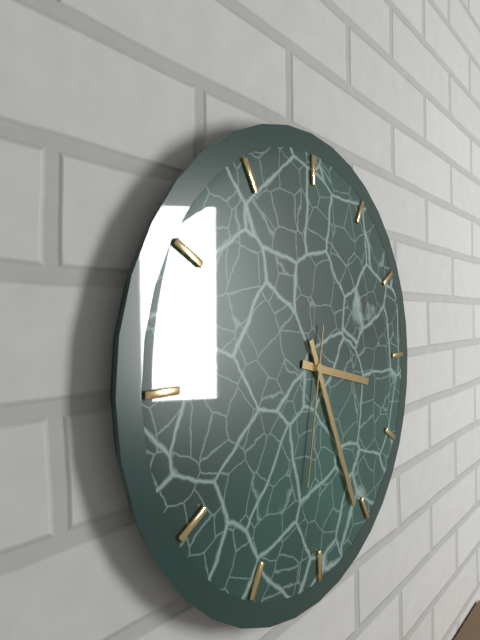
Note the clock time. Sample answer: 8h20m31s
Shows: 3h26m32s
